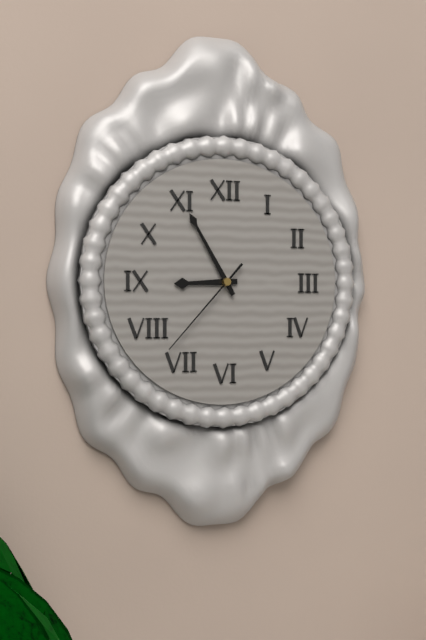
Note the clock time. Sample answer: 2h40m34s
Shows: 8h55m37s
